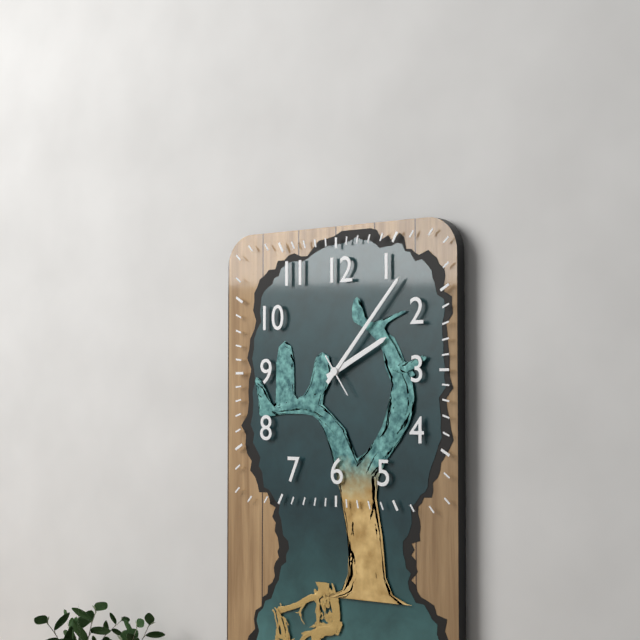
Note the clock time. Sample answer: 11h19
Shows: 2h07
